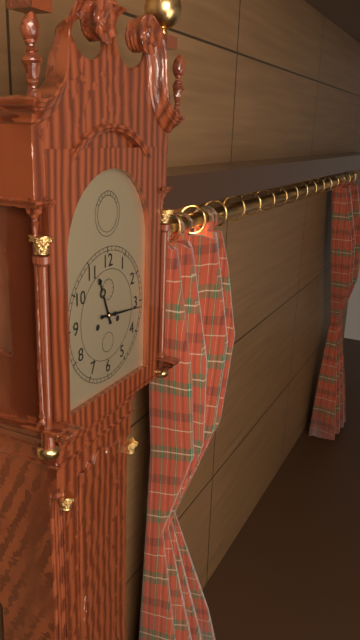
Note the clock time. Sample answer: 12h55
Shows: 11h16
